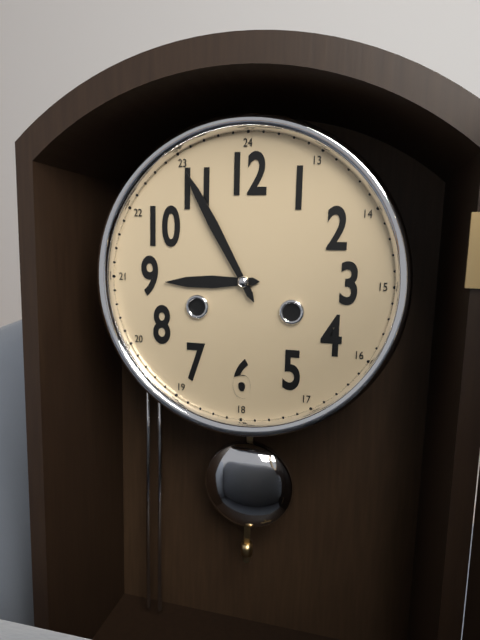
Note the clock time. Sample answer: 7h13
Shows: 8h55
